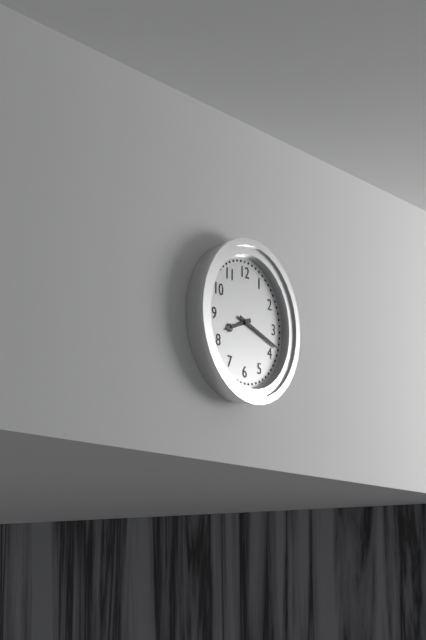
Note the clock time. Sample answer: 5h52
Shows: 8h18
